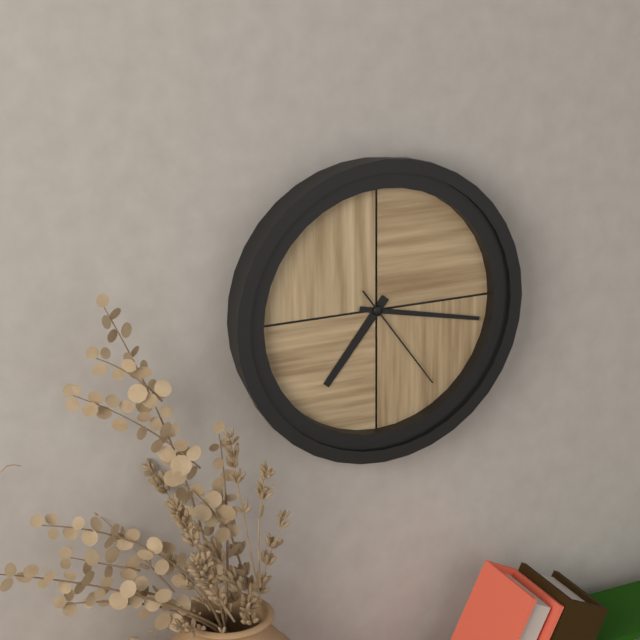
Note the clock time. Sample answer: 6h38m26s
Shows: 7h17m24s
